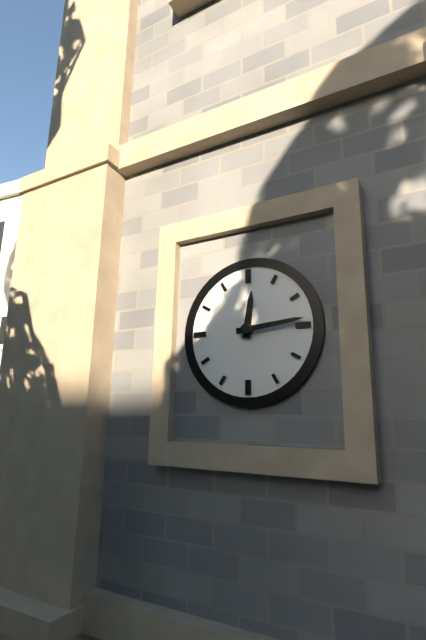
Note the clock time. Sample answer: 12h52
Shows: 12h14
